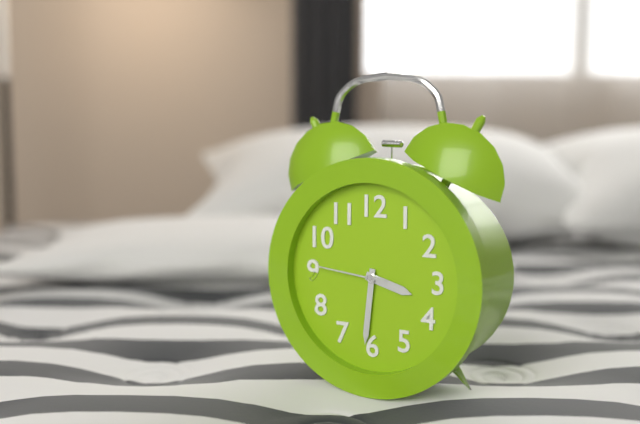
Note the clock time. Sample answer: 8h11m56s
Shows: 3h31m46s
